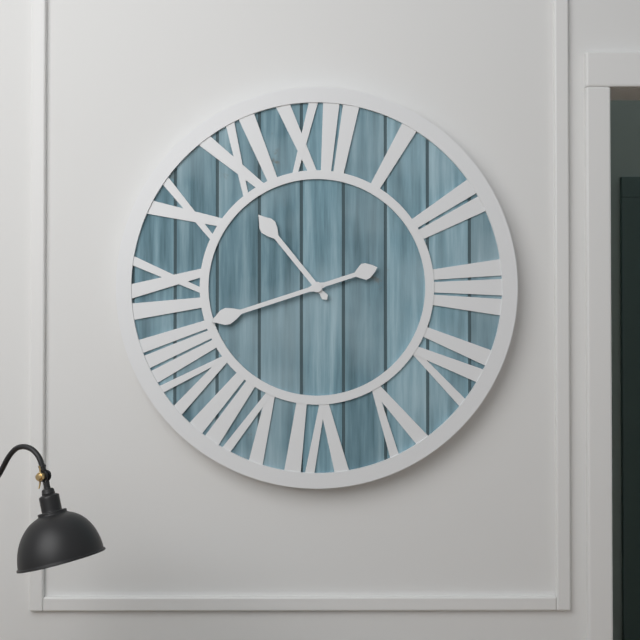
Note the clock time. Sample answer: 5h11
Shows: 10h42
